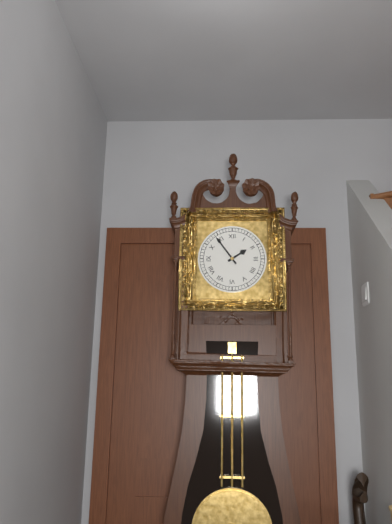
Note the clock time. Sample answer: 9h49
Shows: 1h54
